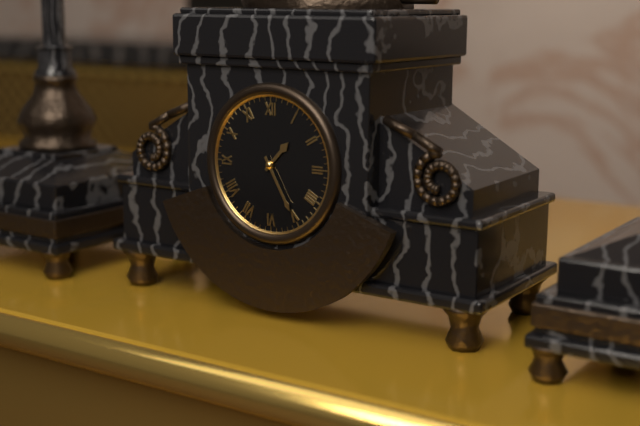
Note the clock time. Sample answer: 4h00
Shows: 1h25
